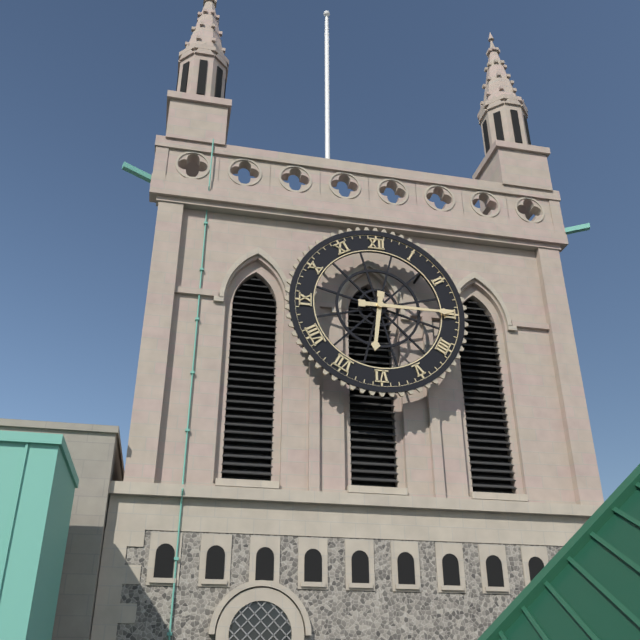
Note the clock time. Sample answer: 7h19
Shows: 6h15
